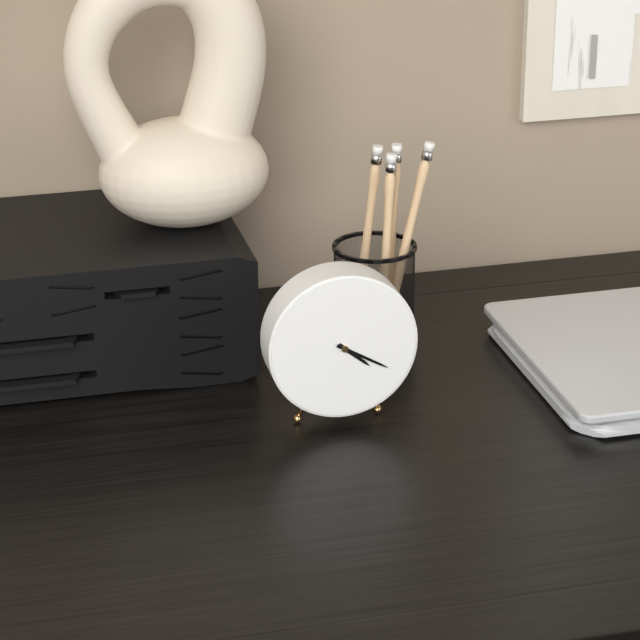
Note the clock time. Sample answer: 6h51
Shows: 4h20
